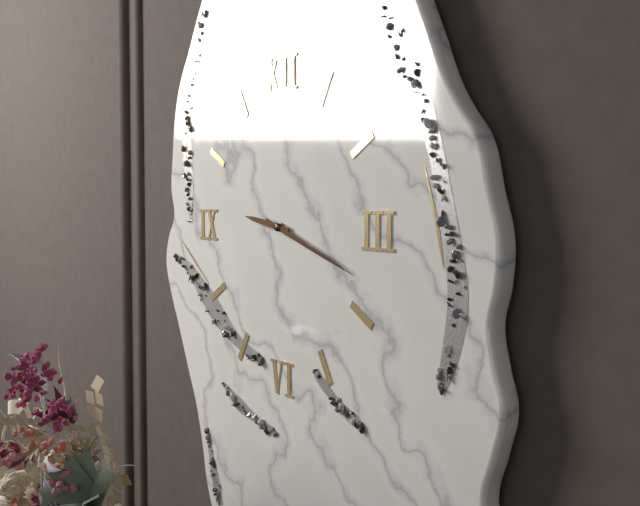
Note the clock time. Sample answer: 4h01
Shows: 9h18
